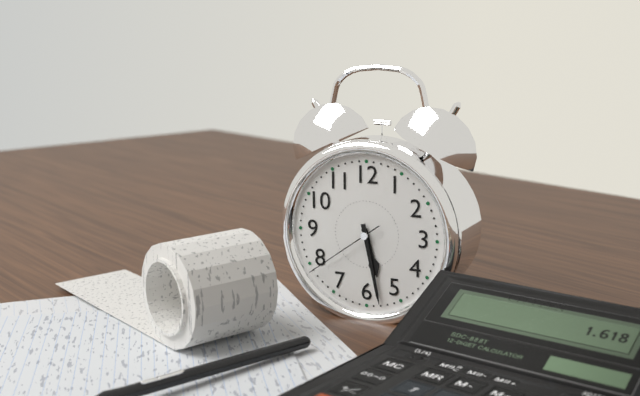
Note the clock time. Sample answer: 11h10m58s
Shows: 5h28m39s
